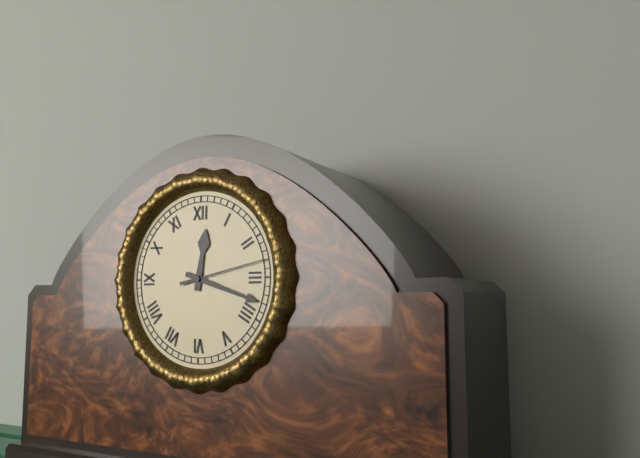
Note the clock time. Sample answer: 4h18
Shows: 12h18
